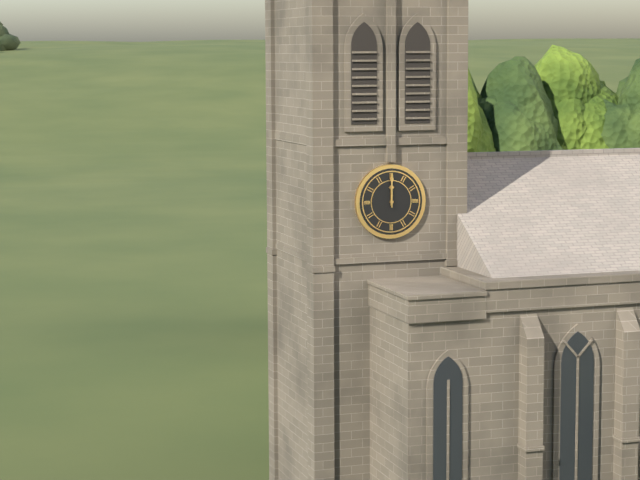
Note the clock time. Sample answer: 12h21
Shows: 12h00
